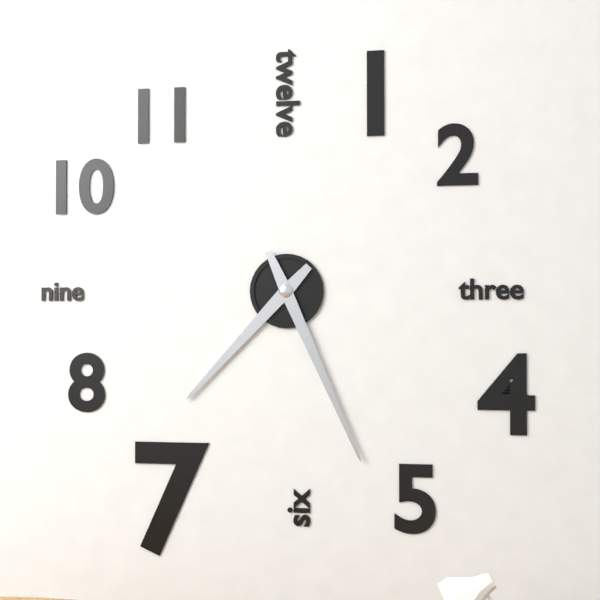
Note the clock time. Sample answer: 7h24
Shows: 7h26
